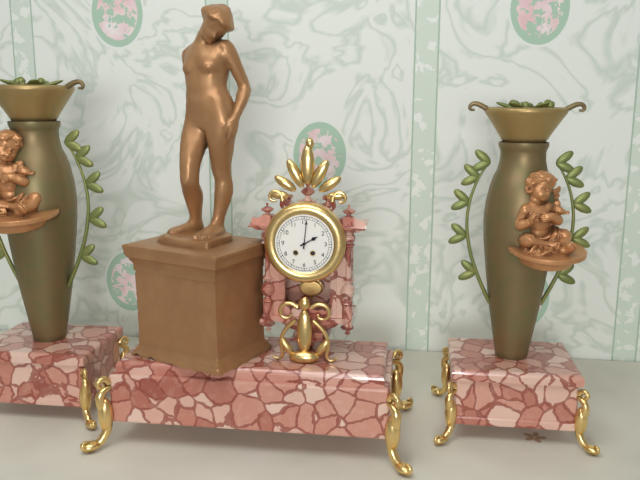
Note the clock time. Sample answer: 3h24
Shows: 2h01
